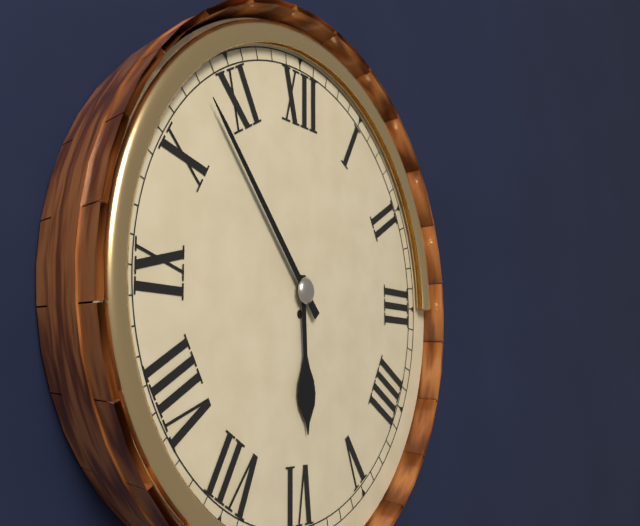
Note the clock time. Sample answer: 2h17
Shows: 5h53
